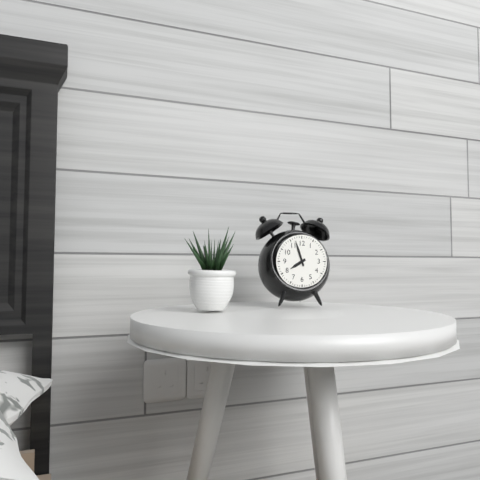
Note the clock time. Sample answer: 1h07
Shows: 7h57
